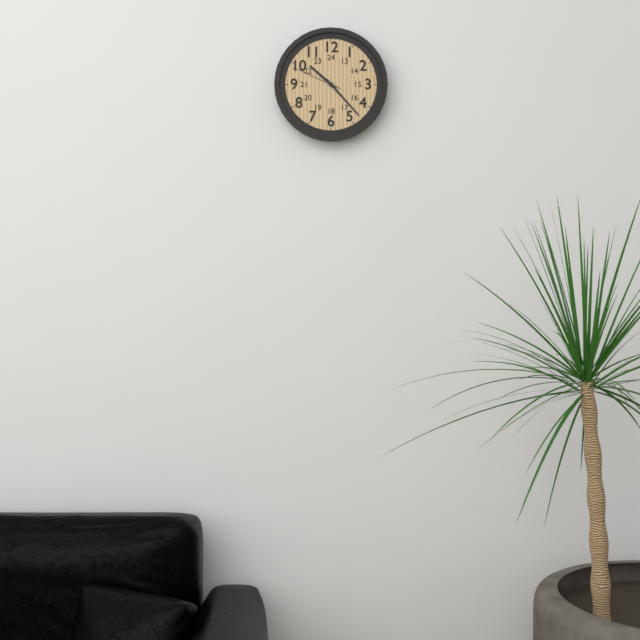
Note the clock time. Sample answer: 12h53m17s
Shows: 10h23m49s
